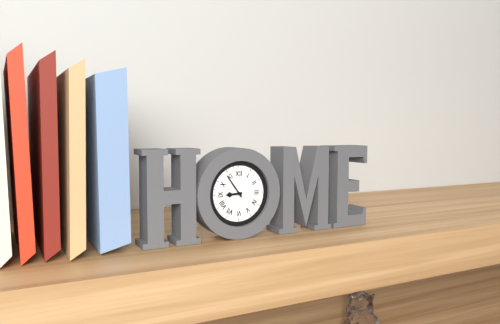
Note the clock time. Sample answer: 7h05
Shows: 8h54
